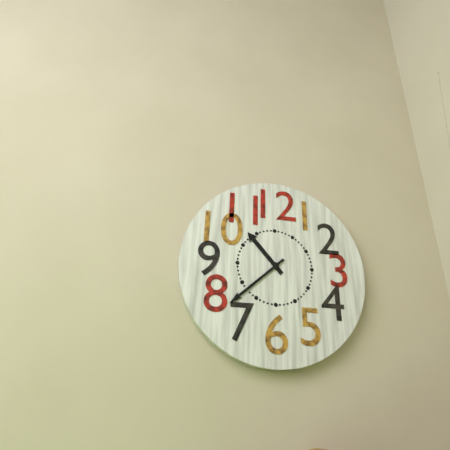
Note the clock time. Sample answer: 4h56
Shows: 10h38
